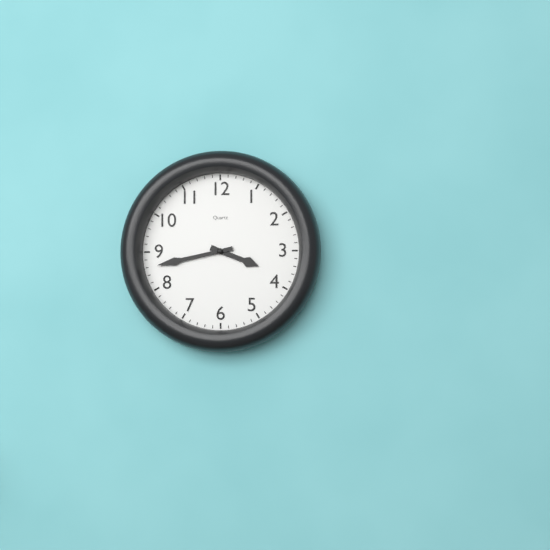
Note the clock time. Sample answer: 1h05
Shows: 3h43
